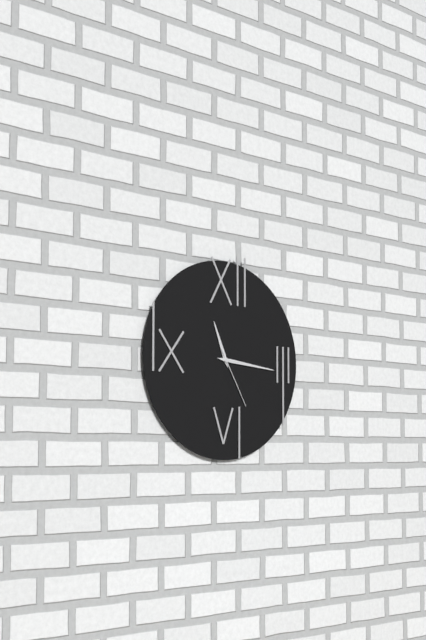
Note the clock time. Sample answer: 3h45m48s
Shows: 11h16m25s
